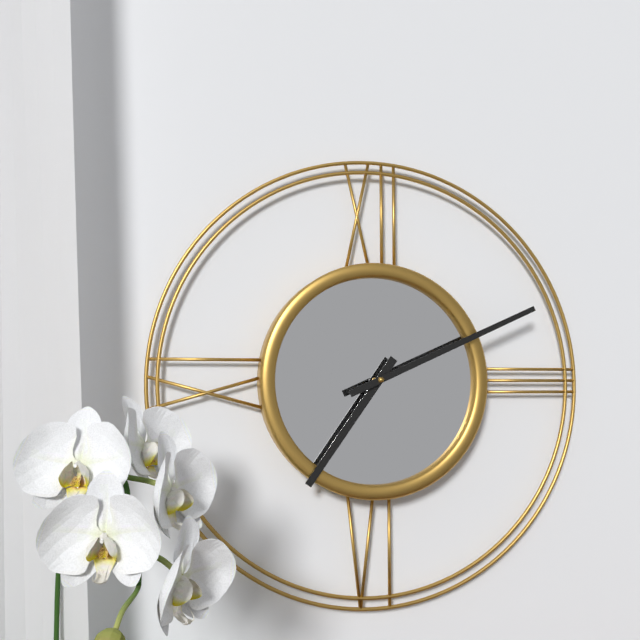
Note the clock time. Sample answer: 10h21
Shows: 7h11
